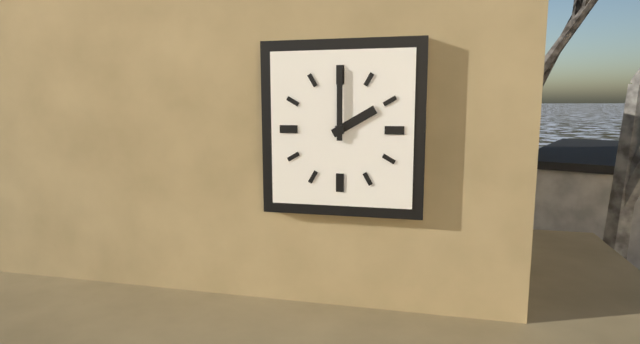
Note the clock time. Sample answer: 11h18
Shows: 2h00
